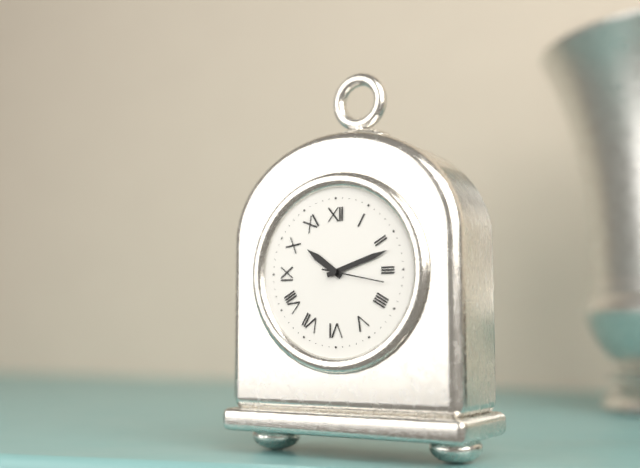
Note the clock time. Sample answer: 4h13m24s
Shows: 10h12m17s
